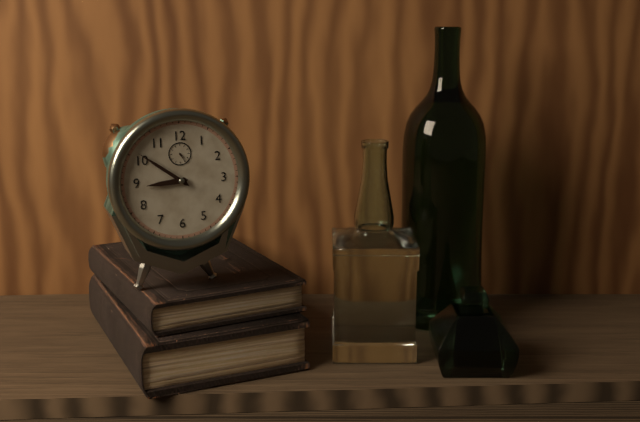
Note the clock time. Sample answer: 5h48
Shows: 8h51
